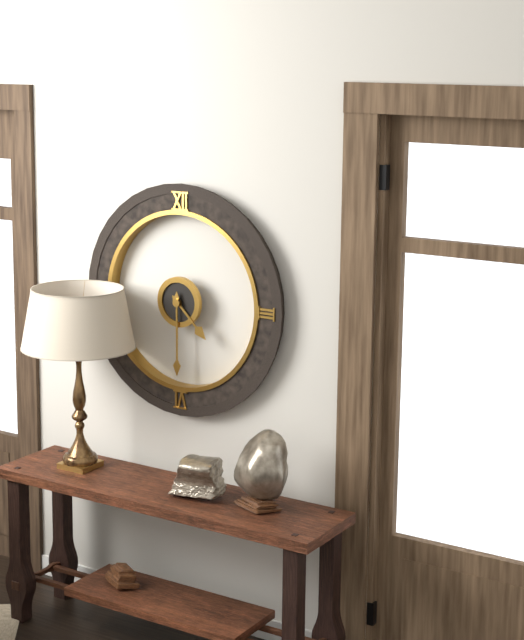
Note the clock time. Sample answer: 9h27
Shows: 4h30
